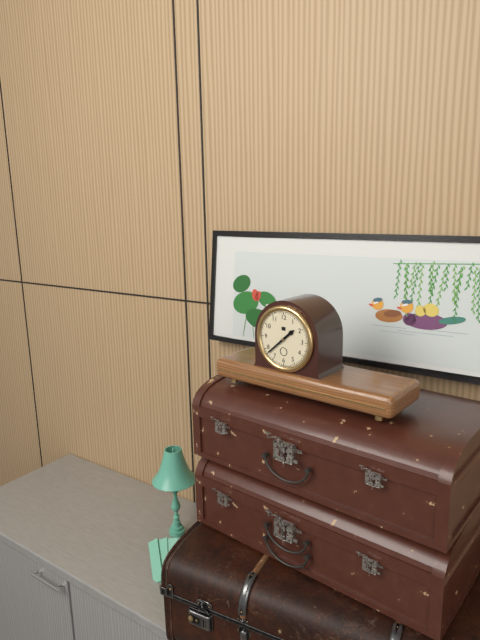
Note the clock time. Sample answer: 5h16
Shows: 1h38
